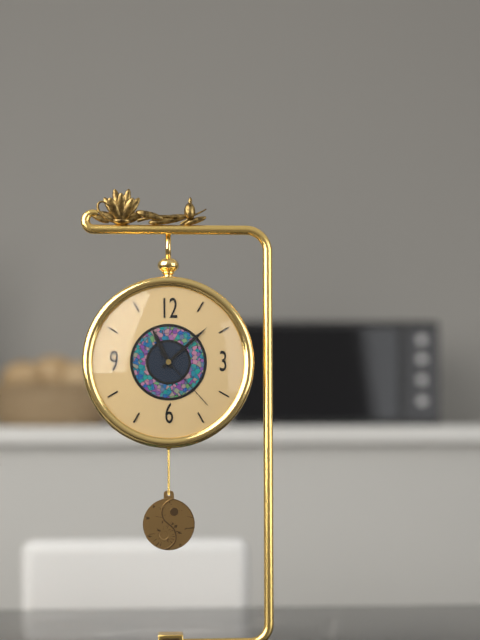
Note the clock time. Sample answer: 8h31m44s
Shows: 11h08m23s
